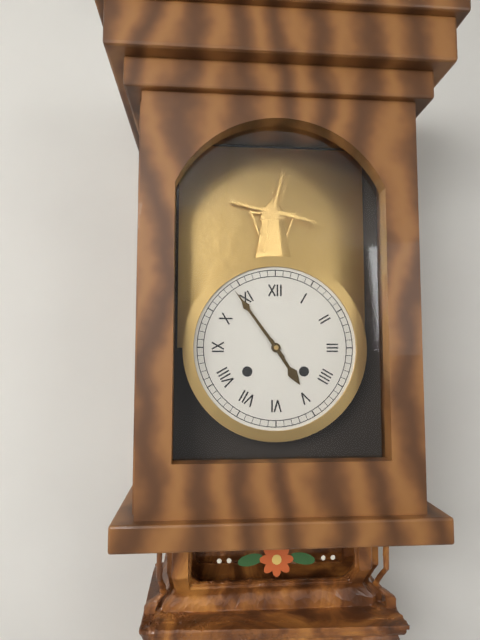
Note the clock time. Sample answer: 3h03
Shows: 4h54
